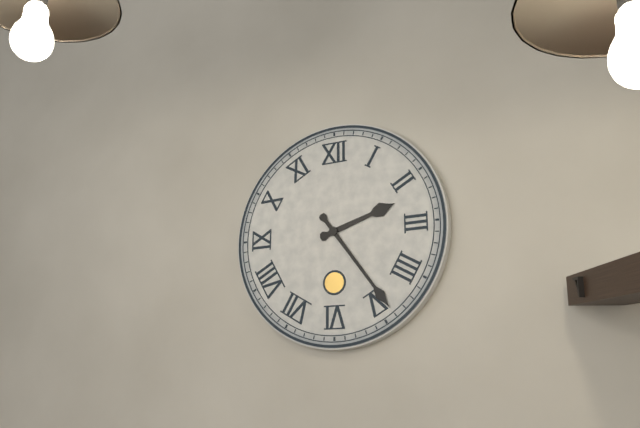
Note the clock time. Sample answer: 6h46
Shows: 2h24
